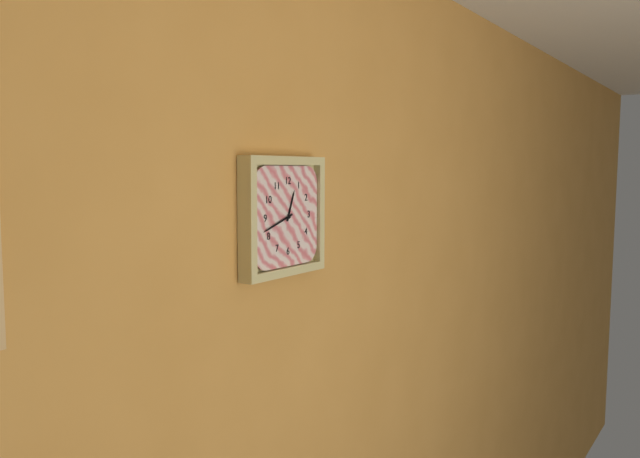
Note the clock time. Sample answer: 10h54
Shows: 12h42
